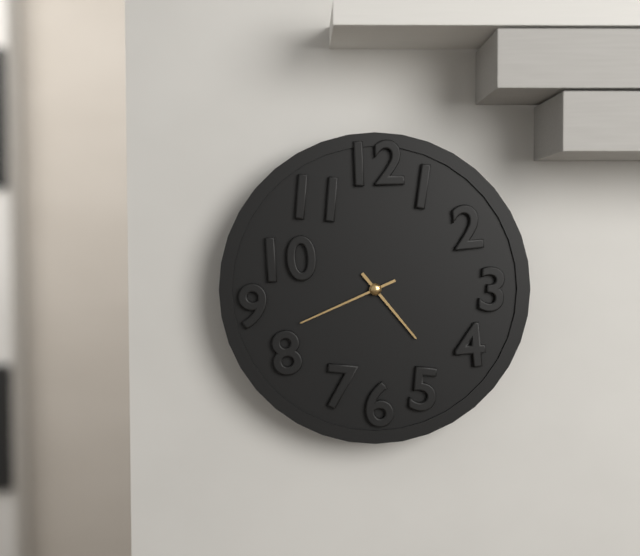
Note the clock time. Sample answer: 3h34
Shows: 4h41
